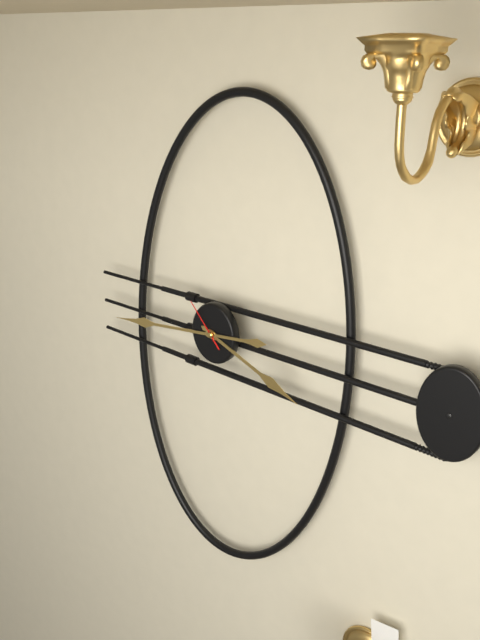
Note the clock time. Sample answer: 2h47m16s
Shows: 3h44m53s
